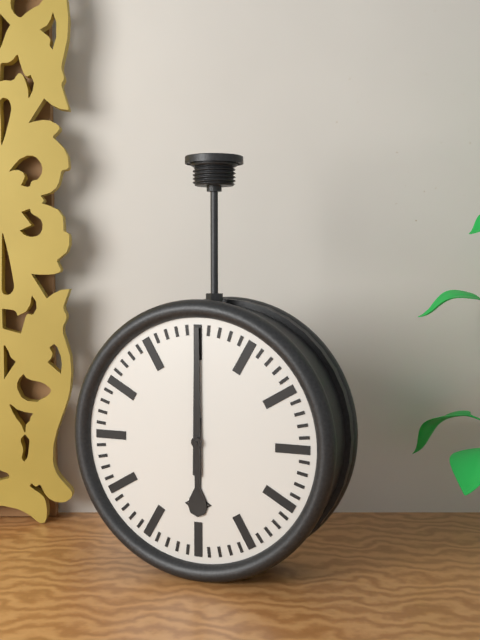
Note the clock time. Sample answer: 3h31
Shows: 6h00
